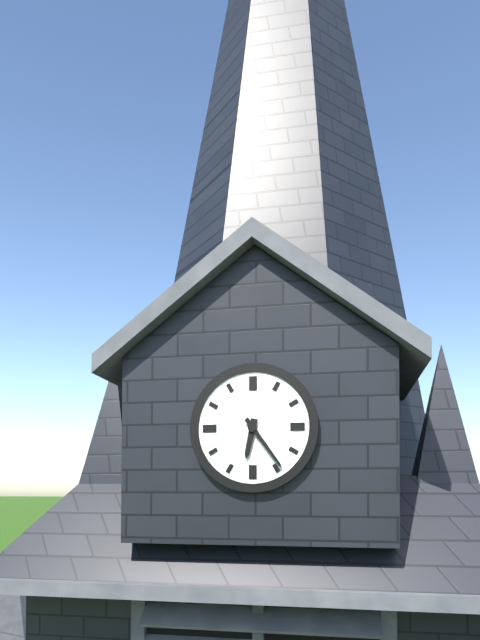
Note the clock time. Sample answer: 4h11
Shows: 6h24
